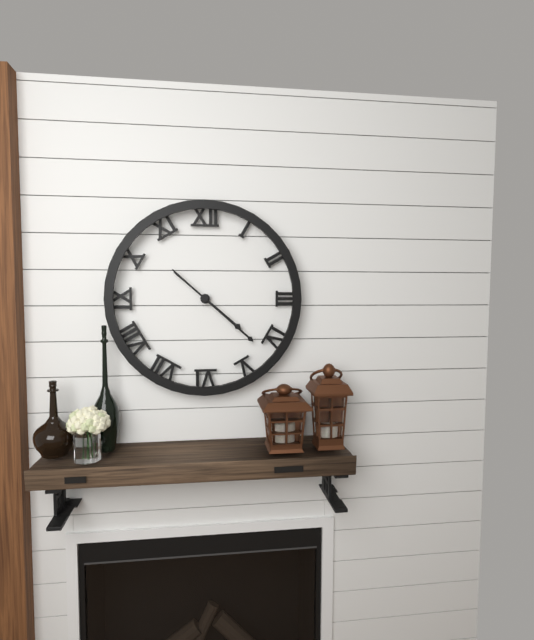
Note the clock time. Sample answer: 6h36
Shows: 4h22
